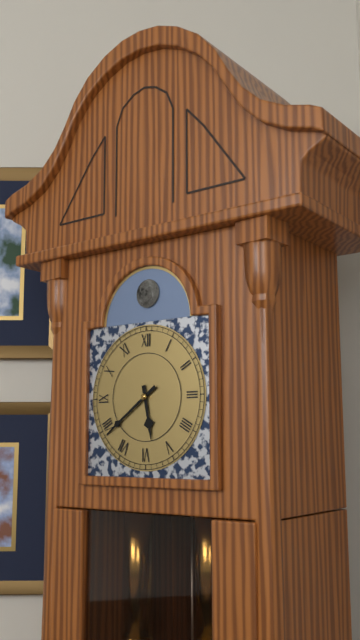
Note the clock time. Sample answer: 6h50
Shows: 5h39
